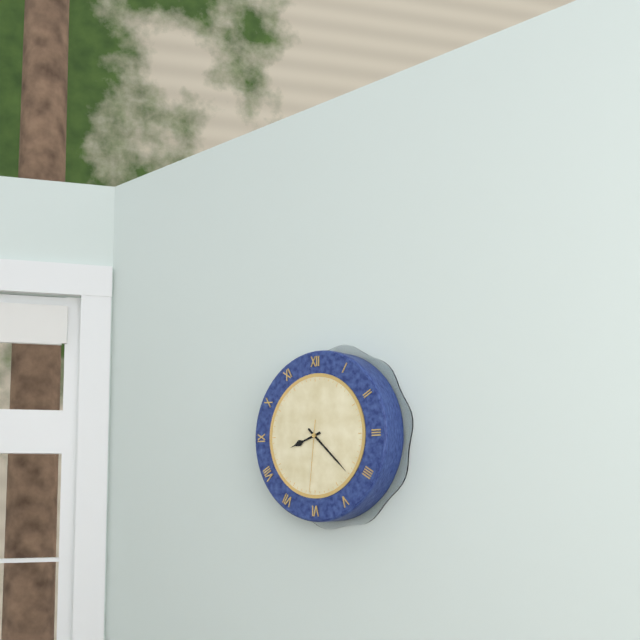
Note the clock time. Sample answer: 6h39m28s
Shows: 8h22m31s
